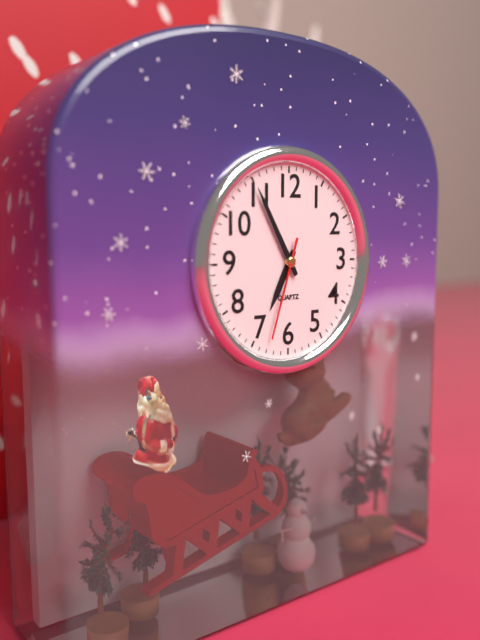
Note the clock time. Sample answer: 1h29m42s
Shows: 6h55m33s
